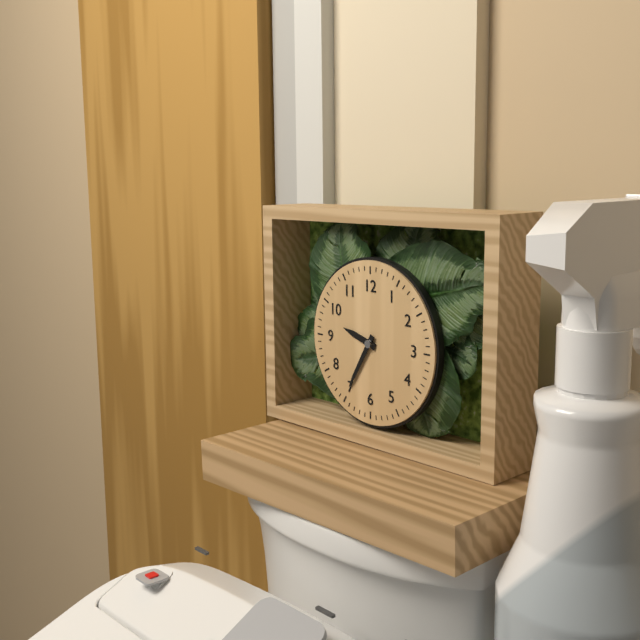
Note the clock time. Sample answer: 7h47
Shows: 9h35
